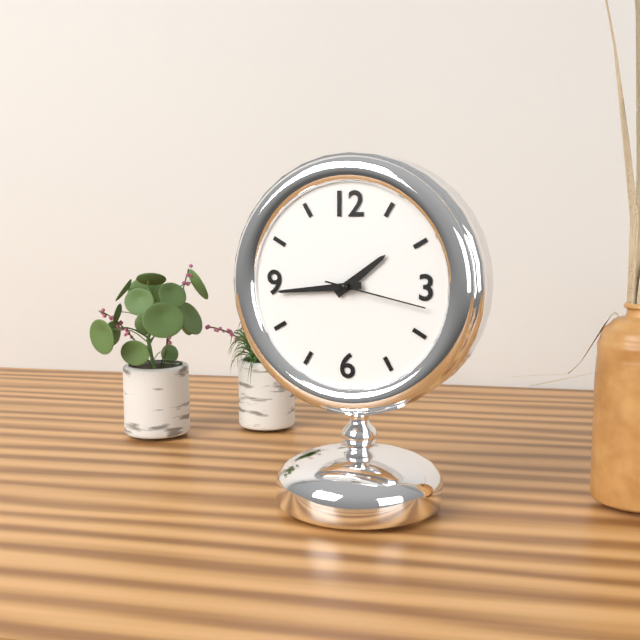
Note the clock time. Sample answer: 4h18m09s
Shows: 1h44m17s
